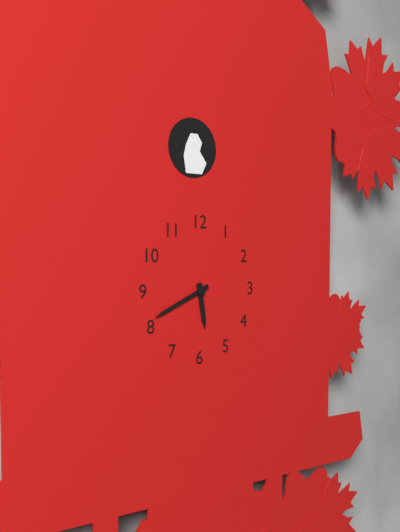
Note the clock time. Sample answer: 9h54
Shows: 5h41
